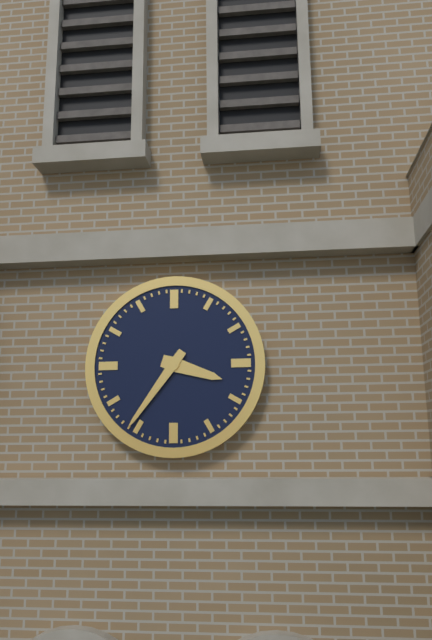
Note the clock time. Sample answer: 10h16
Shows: 3h36
